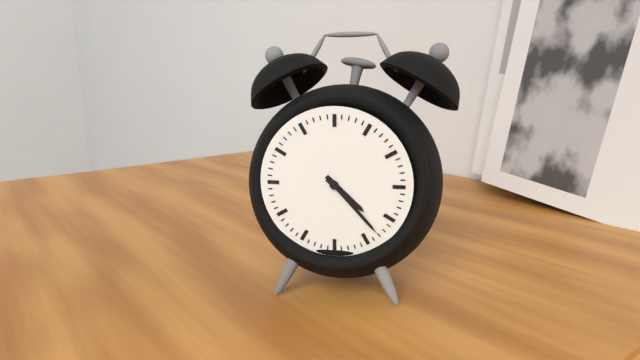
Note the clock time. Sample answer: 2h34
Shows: 4h23
